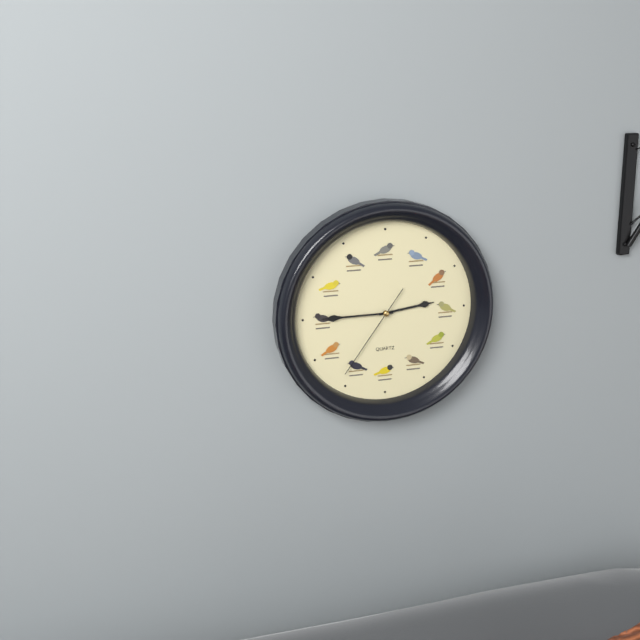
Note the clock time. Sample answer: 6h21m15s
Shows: 2h45m36s
